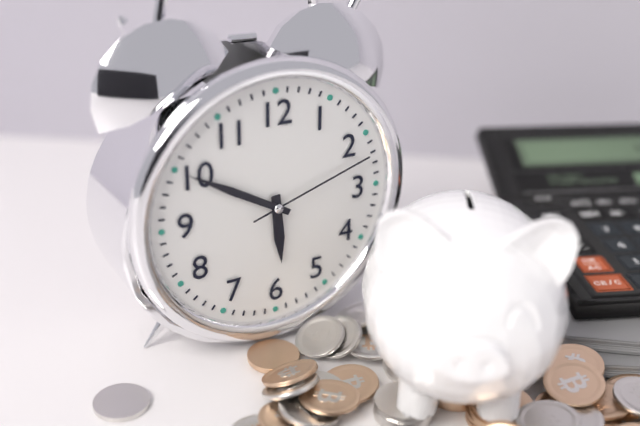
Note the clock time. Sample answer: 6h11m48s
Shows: 5h50m12s
